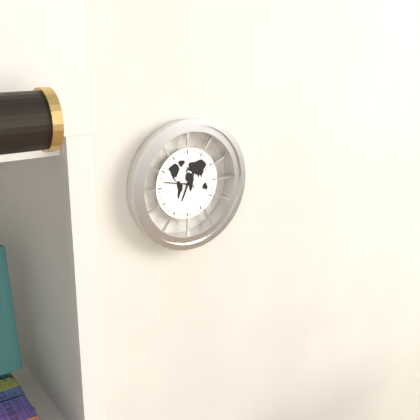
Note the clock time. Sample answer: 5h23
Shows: 6h47
